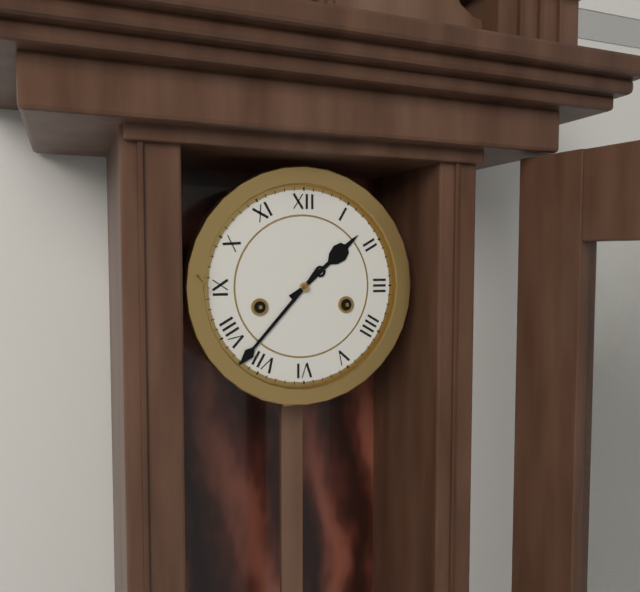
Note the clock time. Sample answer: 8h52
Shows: 1h37
